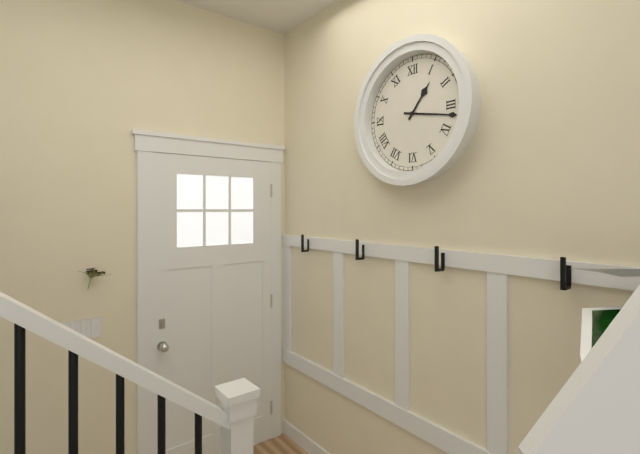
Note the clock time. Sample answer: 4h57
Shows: 1h17
